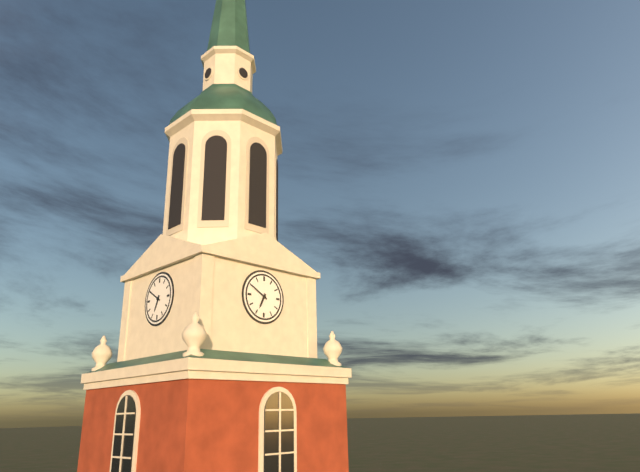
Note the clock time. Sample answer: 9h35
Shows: 6h50
